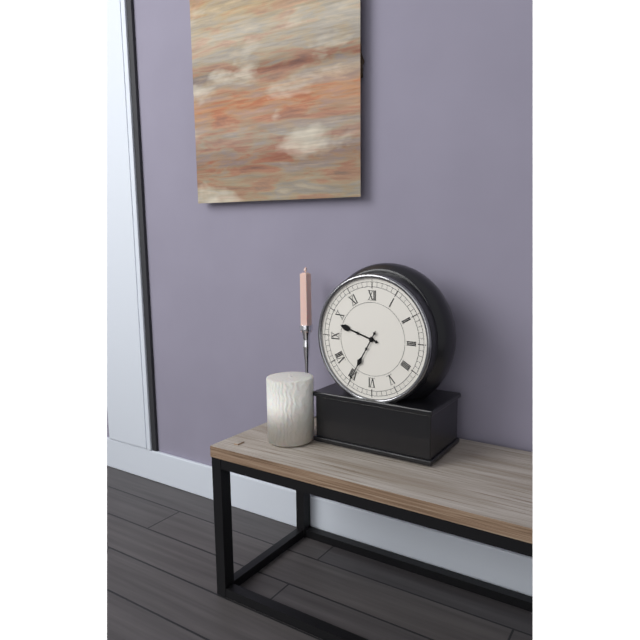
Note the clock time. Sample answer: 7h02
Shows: 9h35
